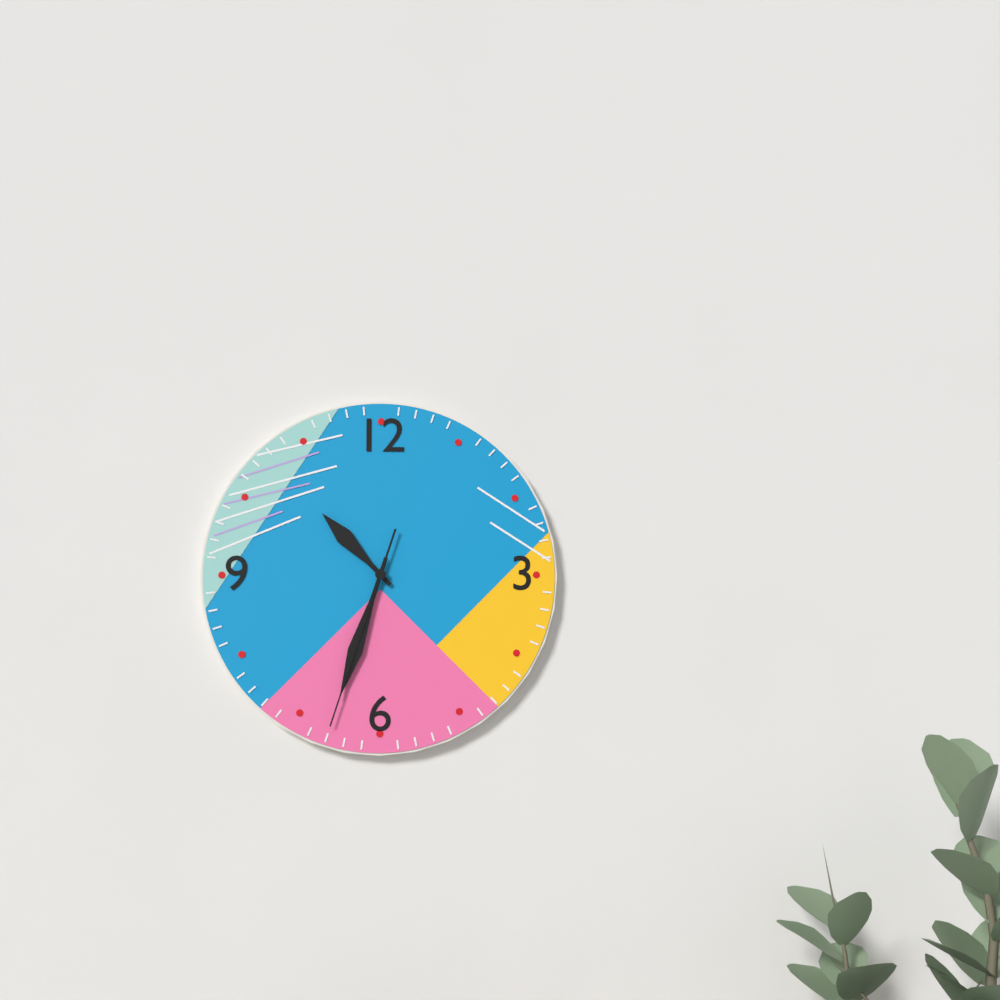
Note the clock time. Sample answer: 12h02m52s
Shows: 10h33m33s
